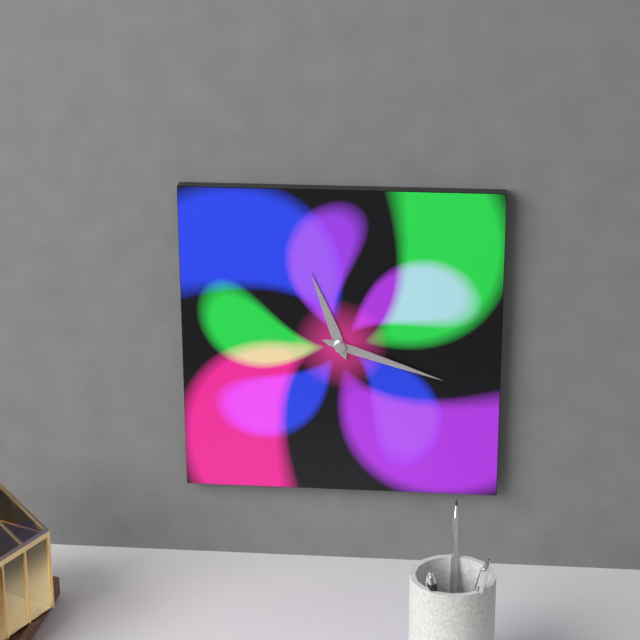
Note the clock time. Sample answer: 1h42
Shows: 11h18
